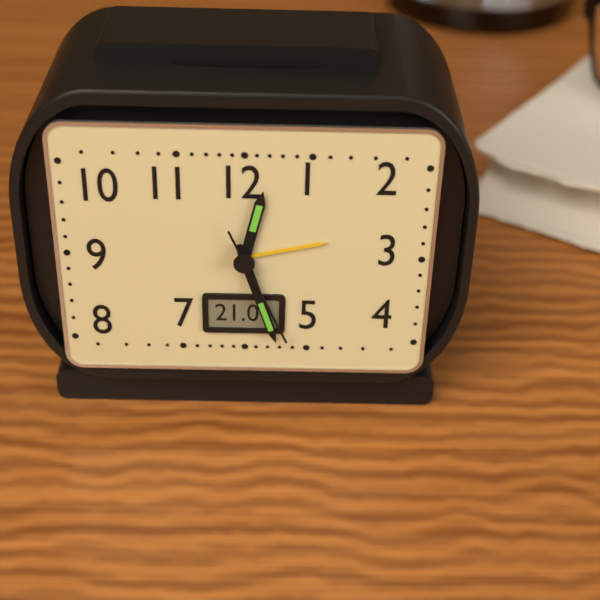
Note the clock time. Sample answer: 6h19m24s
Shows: 12h27m26s
